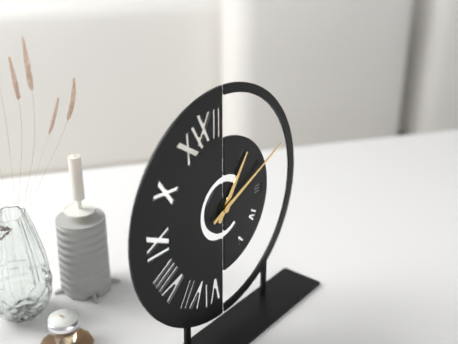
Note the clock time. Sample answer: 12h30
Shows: 1h11
